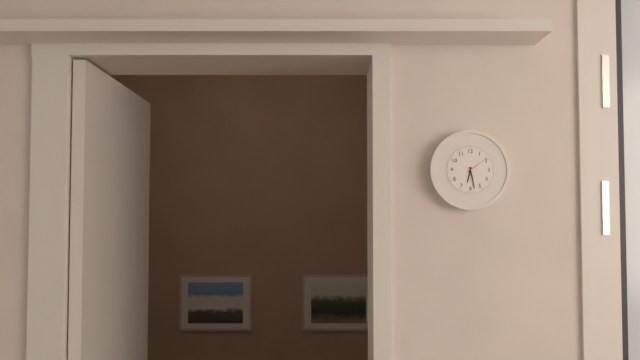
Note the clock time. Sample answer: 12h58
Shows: 6h28
